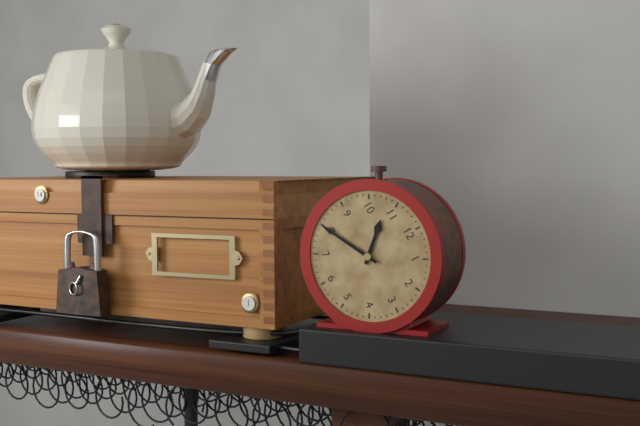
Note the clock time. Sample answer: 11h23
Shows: 10h40
